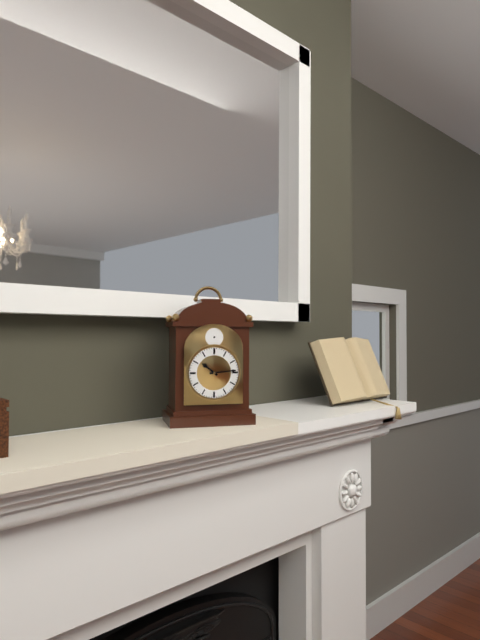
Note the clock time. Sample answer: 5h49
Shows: 10h14
